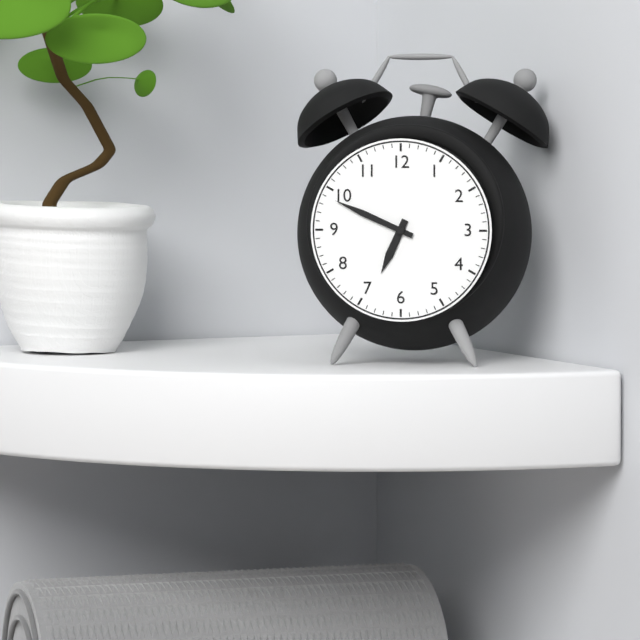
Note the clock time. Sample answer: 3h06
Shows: 6h49
